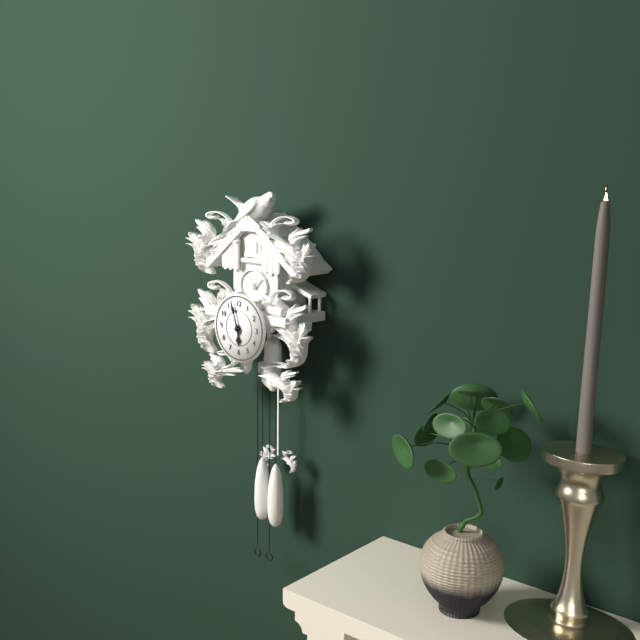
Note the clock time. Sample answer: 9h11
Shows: 5h57
